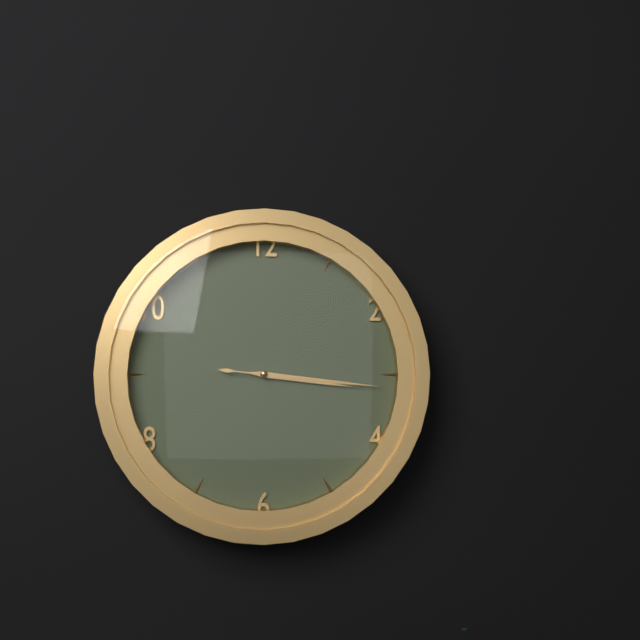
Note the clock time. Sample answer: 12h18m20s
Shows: 3h16m16s
